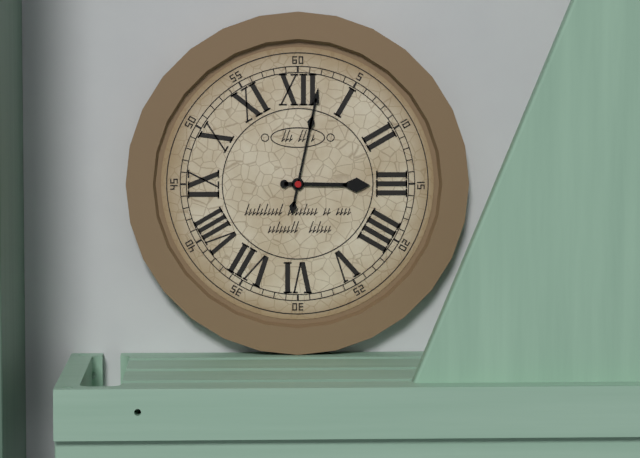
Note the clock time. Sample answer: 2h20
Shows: 3h02
